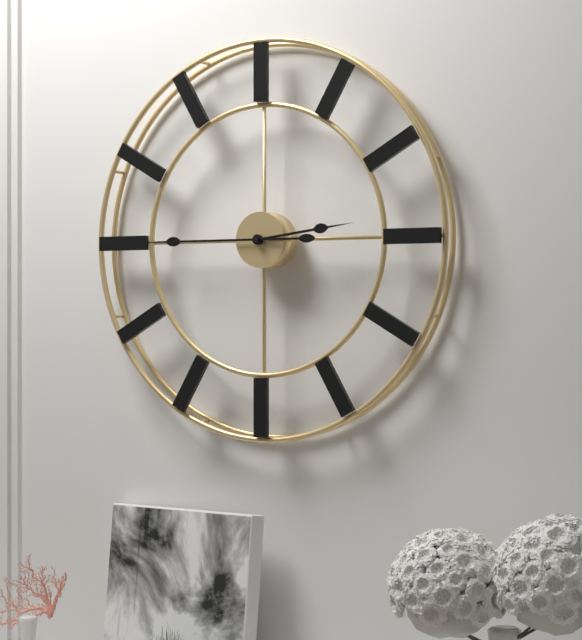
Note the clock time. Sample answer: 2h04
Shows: 2h45
